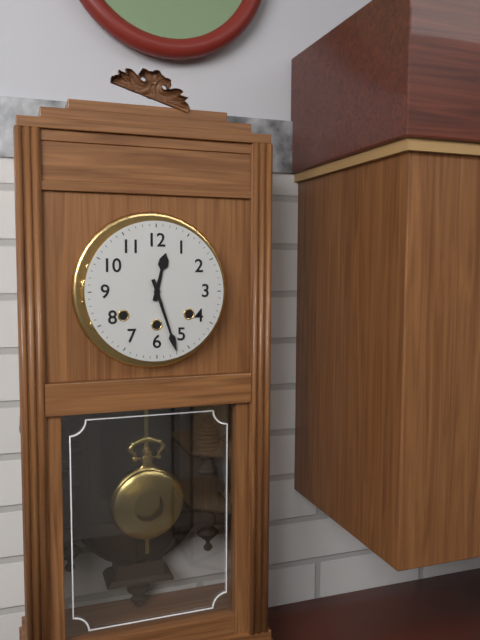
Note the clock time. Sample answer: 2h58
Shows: 12h27
